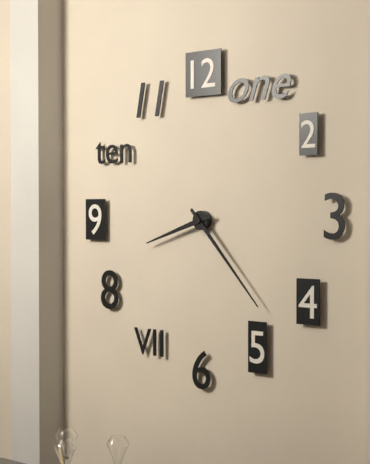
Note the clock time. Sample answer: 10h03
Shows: 8h23
